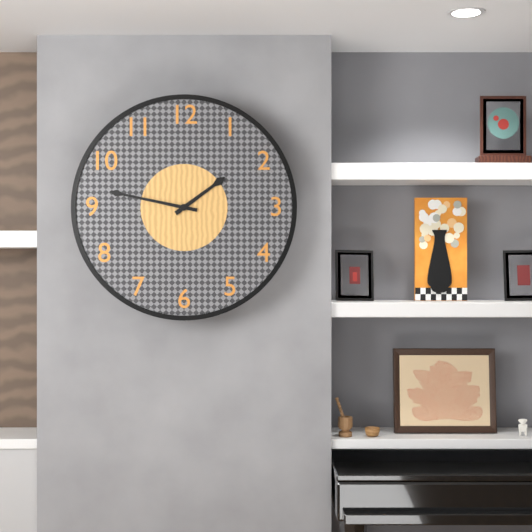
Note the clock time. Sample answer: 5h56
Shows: 1h47
